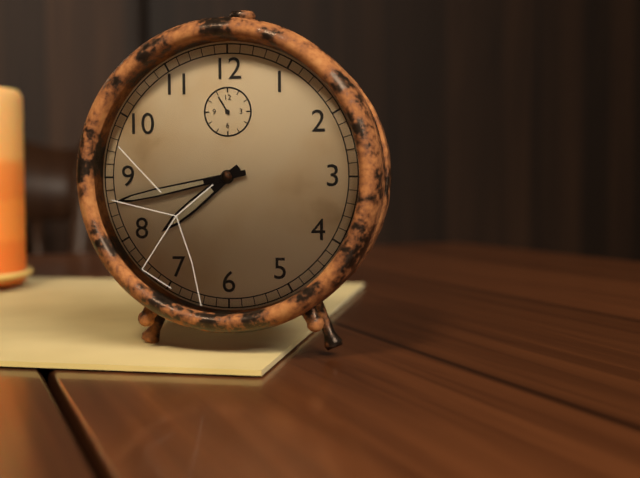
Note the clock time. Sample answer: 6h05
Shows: 7h43
